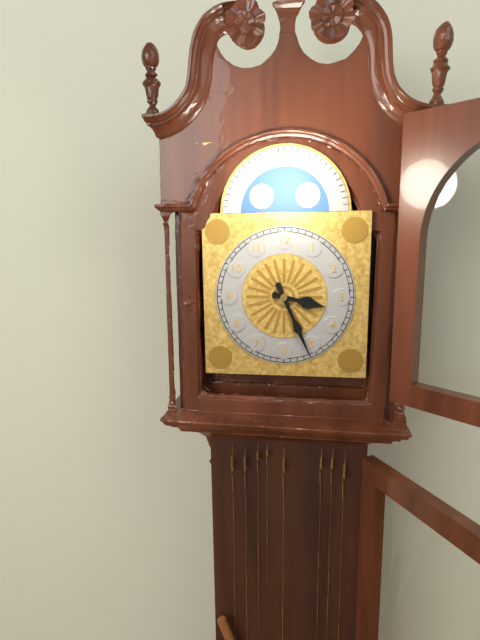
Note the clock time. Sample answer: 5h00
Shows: 3h26
